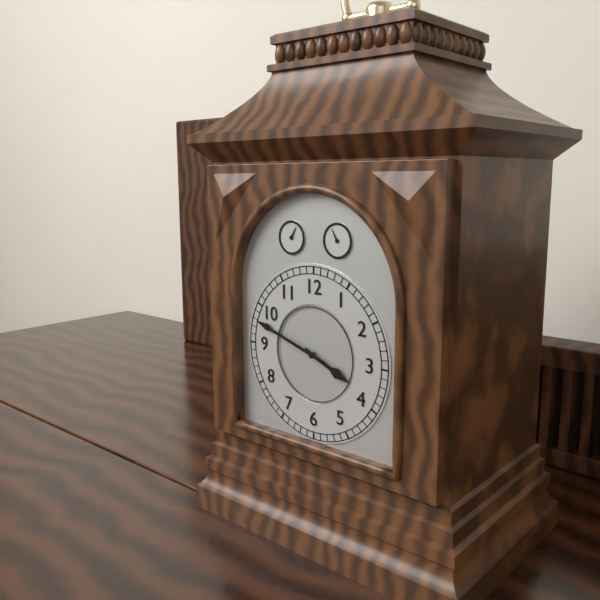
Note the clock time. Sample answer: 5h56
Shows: 3h48
